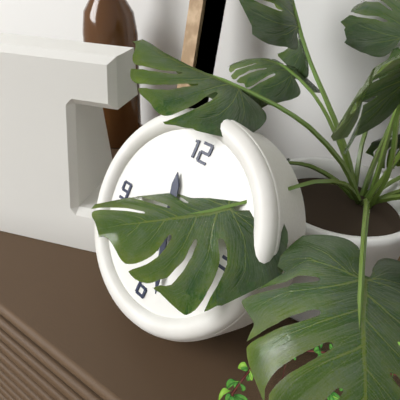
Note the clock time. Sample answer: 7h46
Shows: 11h27
